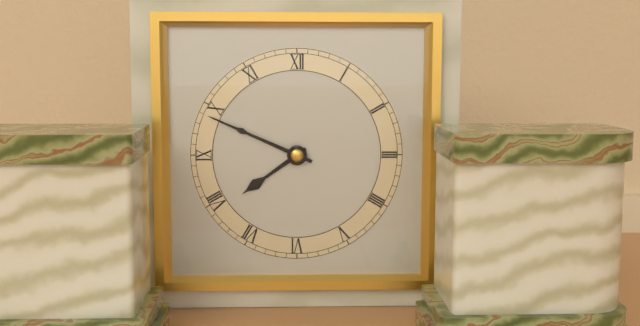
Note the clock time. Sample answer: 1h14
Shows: 7h49
